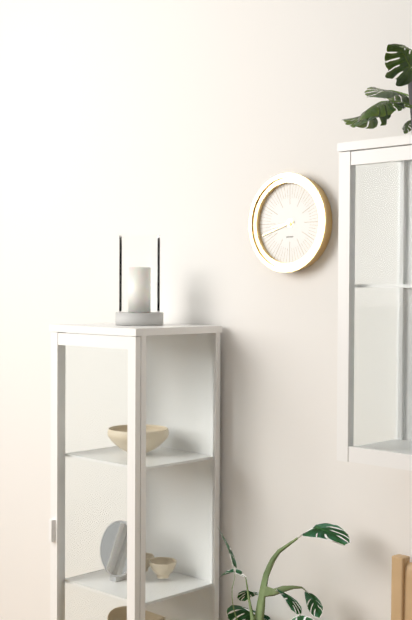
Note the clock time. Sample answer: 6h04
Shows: 8h42
